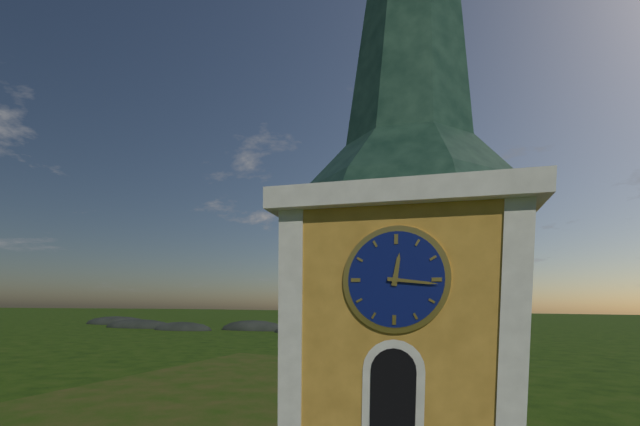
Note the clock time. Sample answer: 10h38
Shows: 12h16
